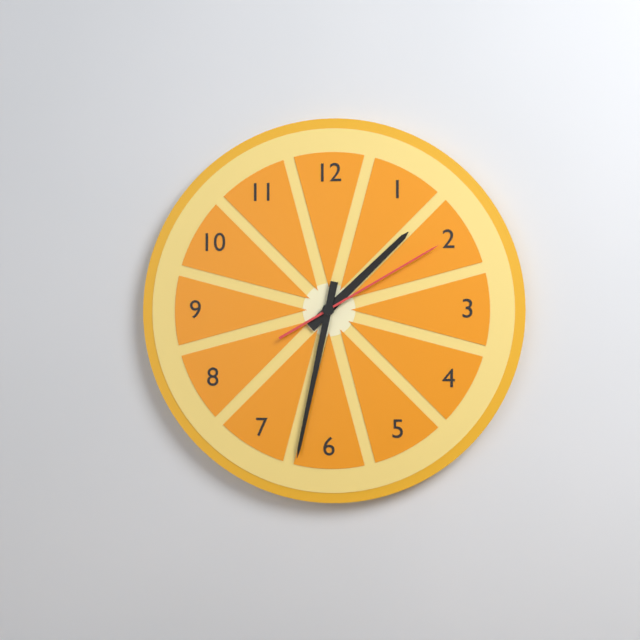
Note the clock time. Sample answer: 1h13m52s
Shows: 1h32m10s
